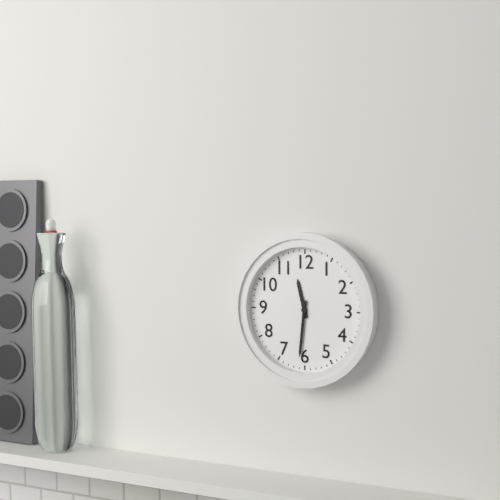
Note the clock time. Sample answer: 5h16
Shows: 11h31
